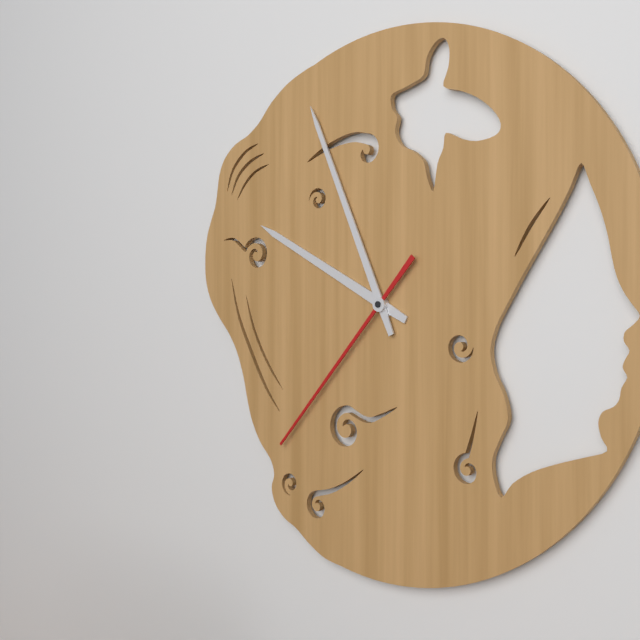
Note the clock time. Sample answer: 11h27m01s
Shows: 9h56m37s
